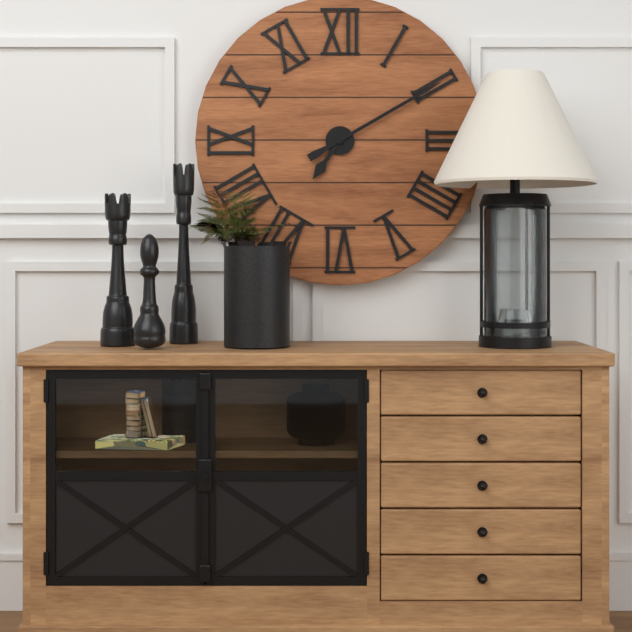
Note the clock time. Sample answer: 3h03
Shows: 7h10
